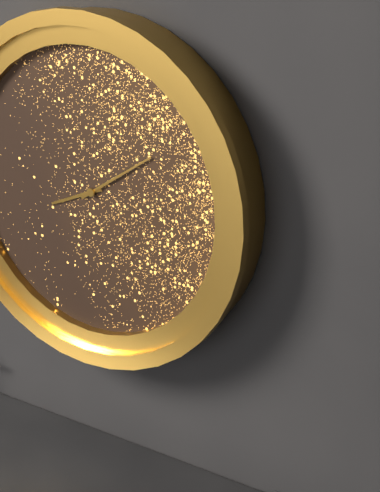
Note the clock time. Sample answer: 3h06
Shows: 8h09
